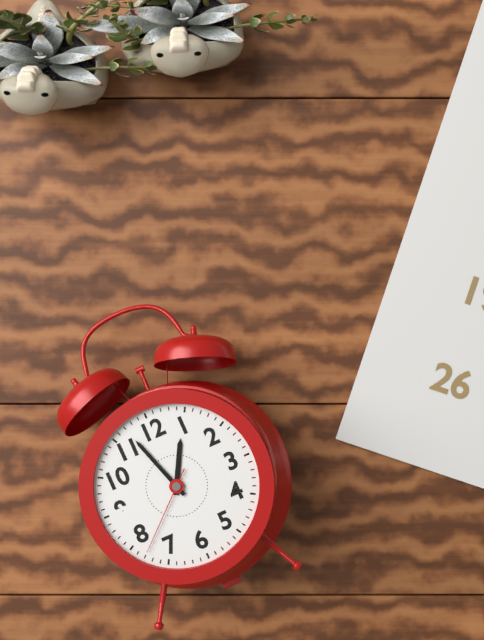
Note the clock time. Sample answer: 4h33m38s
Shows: 12h57m38s
